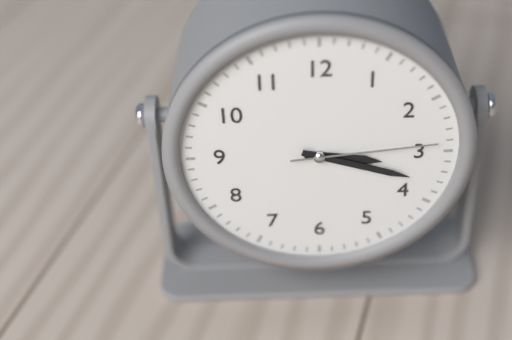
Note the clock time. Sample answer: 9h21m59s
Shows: 3h18m14s
